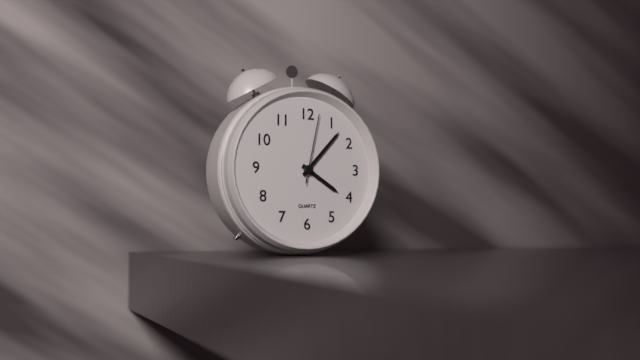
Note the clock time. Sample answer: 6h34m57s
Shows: 4h07m02s
